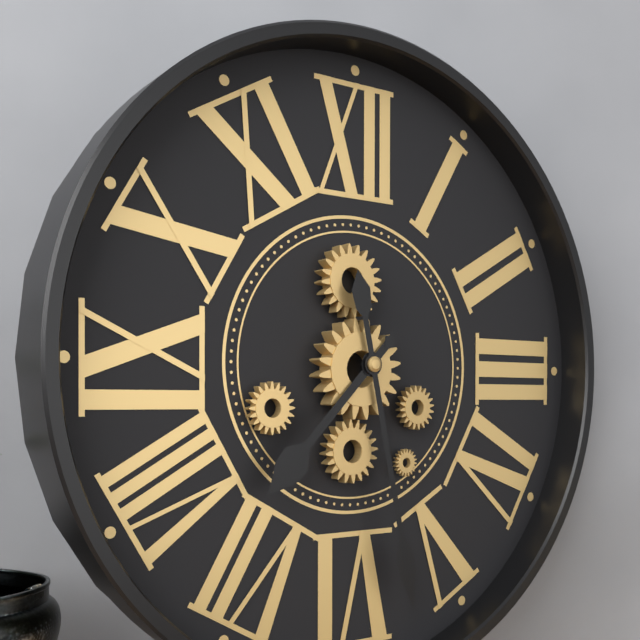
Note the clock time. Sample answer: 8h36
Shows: 7h28
